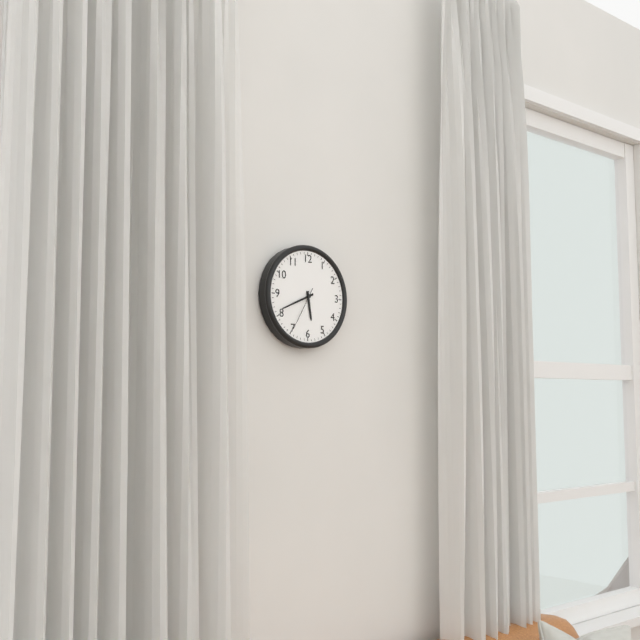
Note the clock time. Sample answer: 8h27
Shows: 5h41
